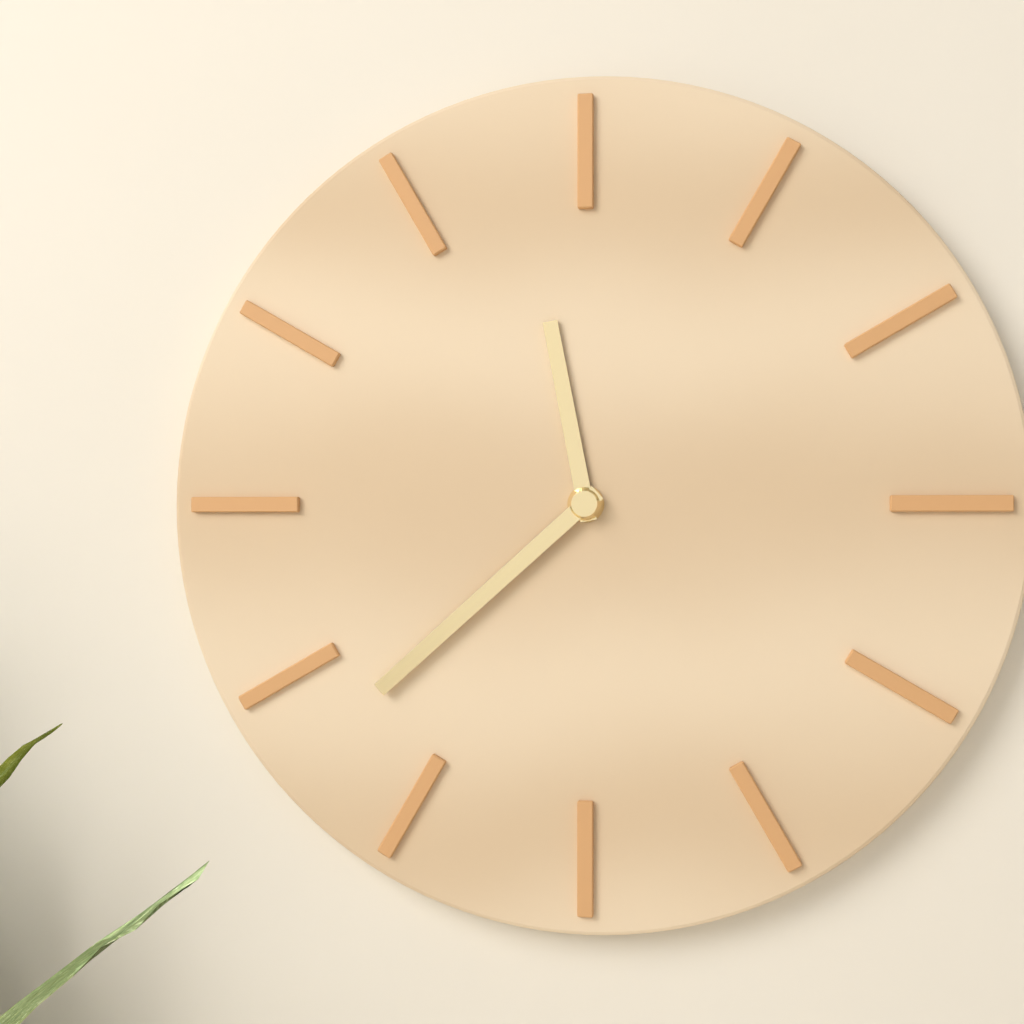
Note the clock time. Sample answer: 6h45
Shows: 11h38
